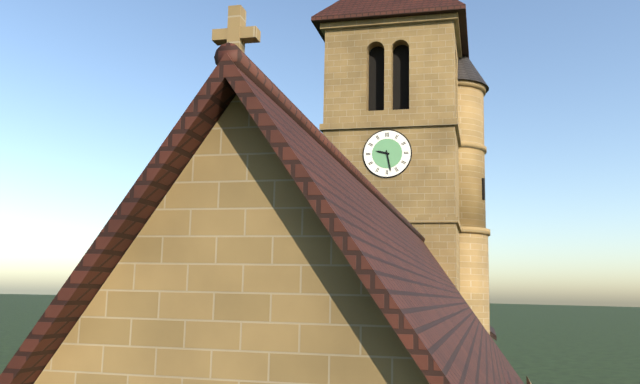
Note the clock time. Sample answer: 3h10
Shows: 9h28
